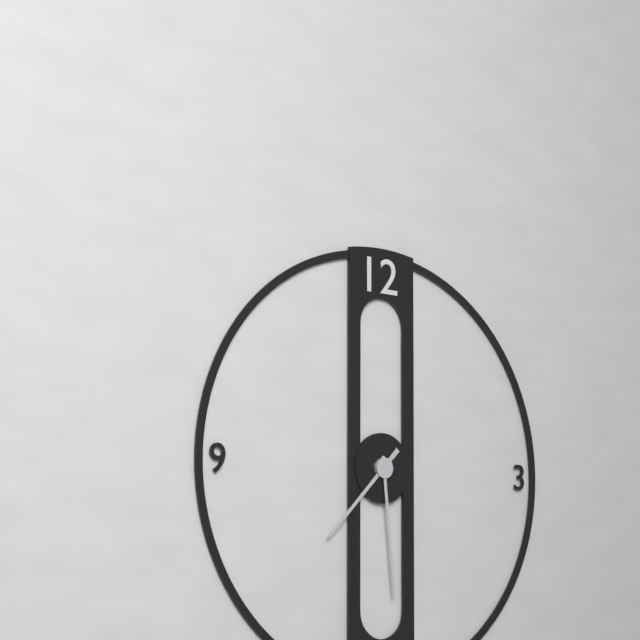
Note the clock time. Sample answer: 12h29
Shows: 7h29
